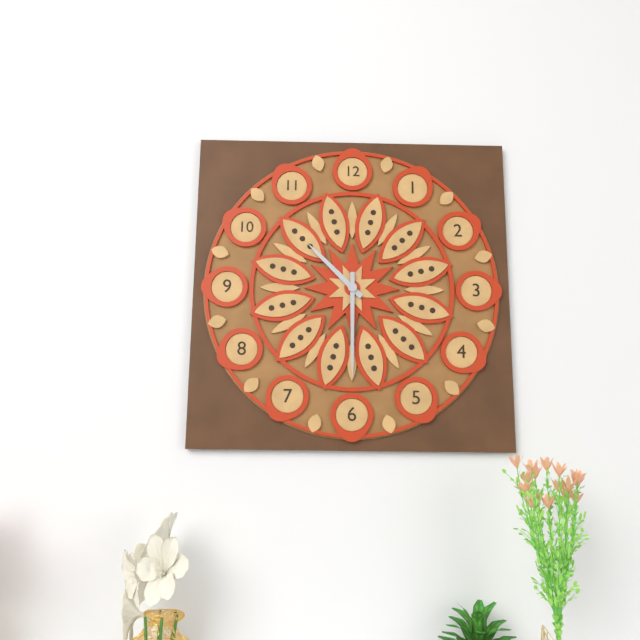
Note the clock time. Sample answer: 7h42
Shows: 10h30
